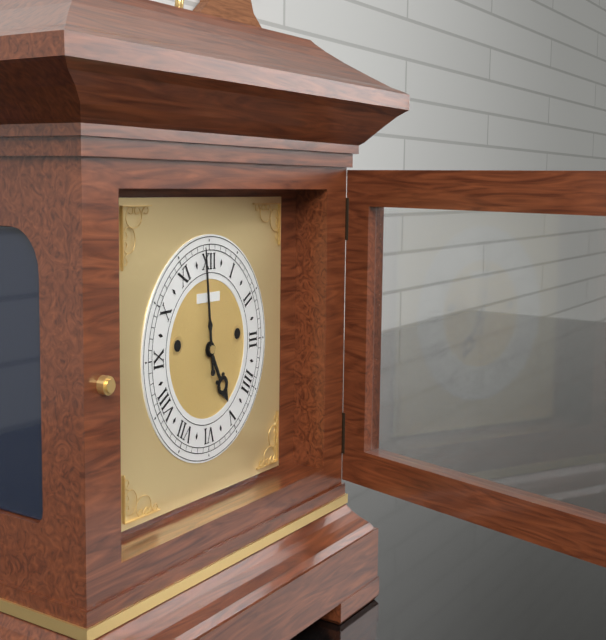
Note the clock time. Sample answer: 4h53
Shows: 4h59
